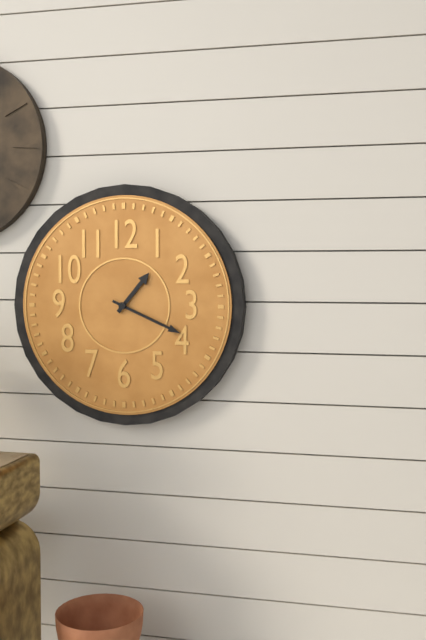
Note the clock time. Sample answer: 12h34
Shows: 1h19
